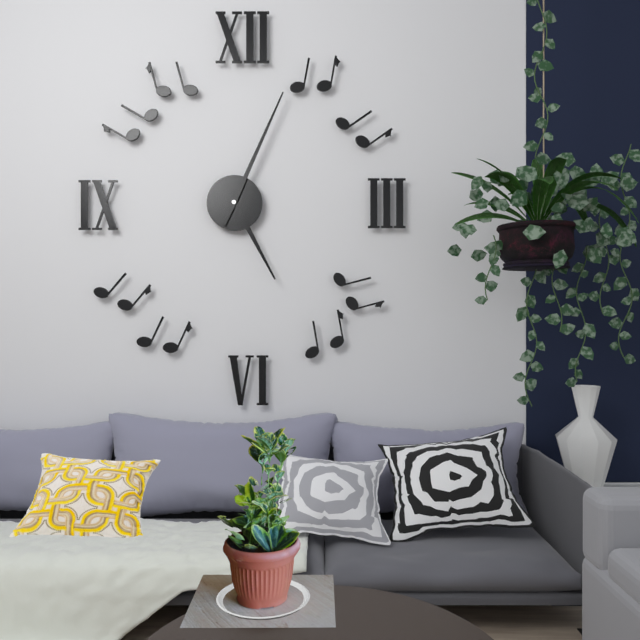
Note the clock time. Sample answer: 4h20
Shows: 5h04
